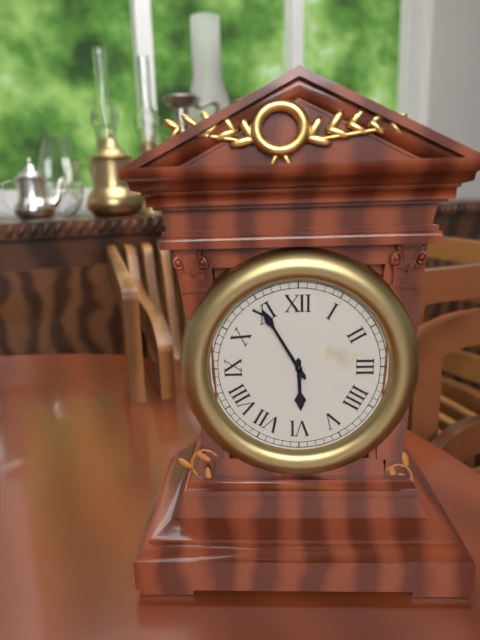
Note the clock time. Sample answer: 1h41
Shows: 5h55
